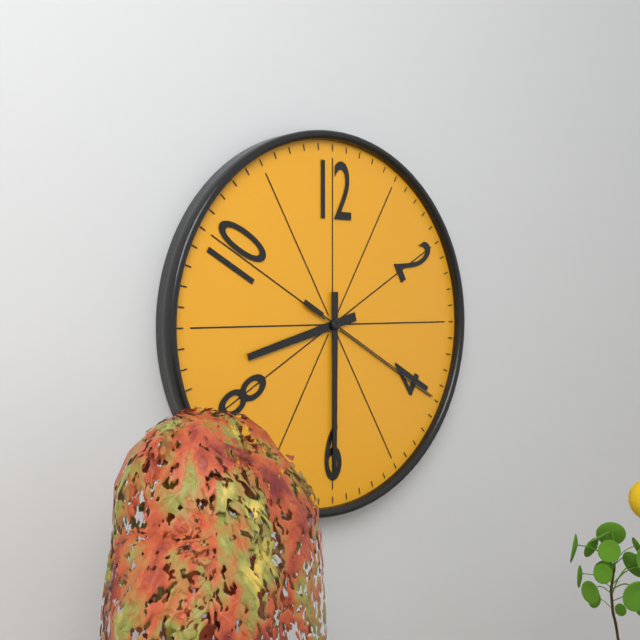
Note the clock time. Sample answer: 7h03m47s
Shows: 8h30m20s
